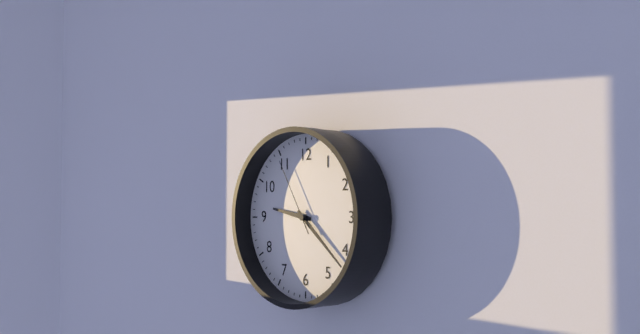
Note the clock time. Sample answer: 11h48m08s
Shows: 9h22m55s
